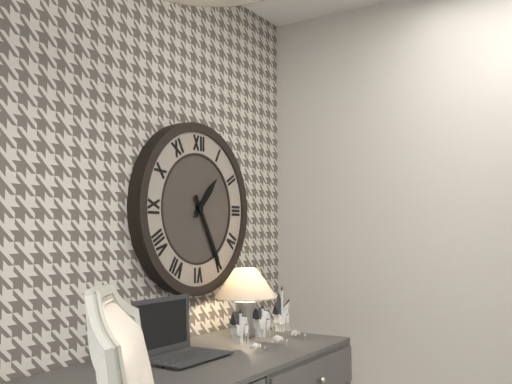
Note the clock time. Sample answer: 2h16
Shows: 1h25
